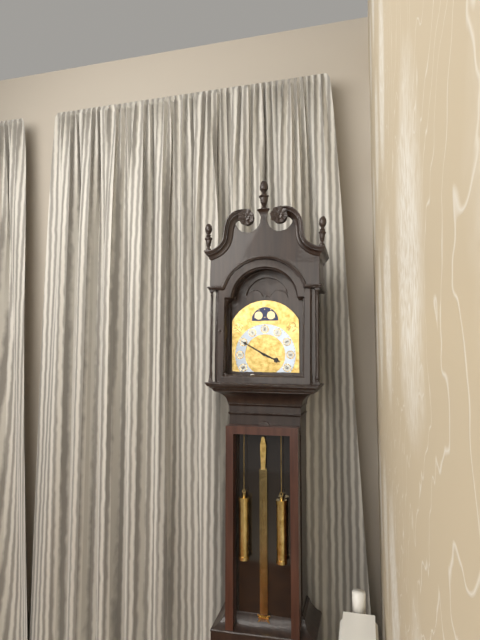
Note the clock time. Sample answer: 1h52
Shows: 3h50
